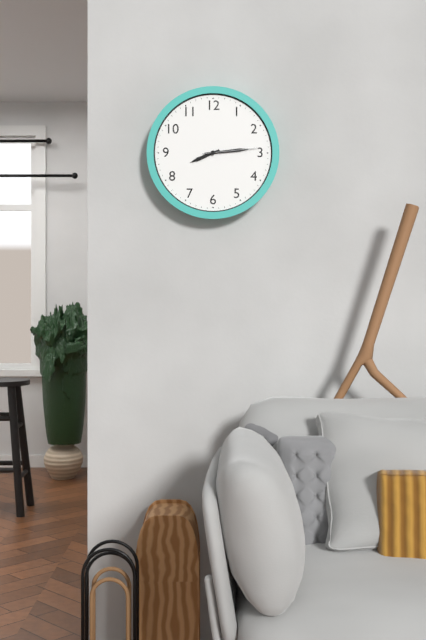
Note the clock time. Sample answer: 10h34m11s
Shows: 8h14m14s
